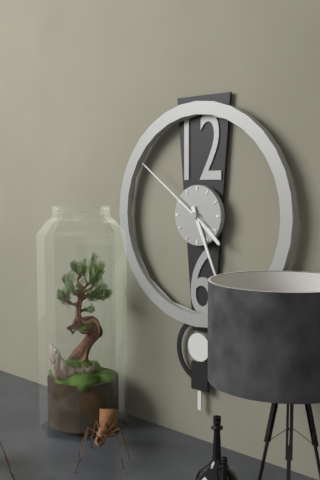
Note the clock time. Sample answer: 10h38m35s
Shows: 4h26m51s
